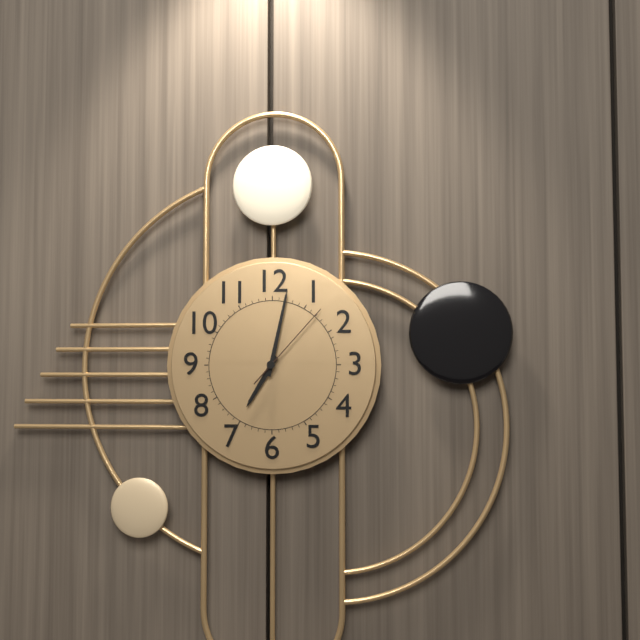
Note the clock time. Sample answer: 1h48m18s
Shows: 7h02m07s
